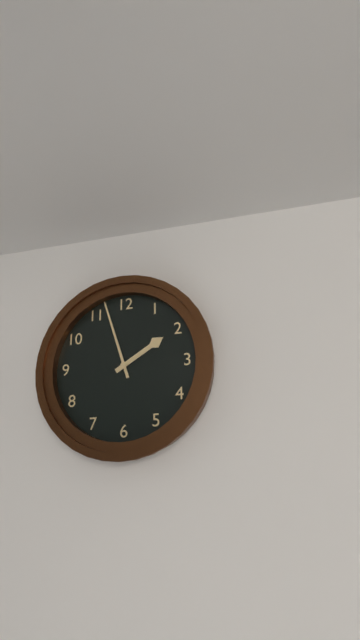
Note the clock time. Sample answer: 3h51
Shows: 1h57
